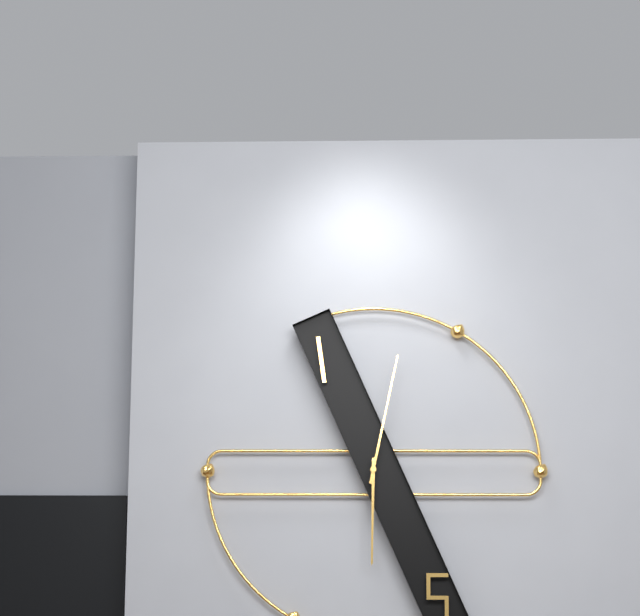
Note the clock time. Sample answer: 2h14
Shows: 6h02
